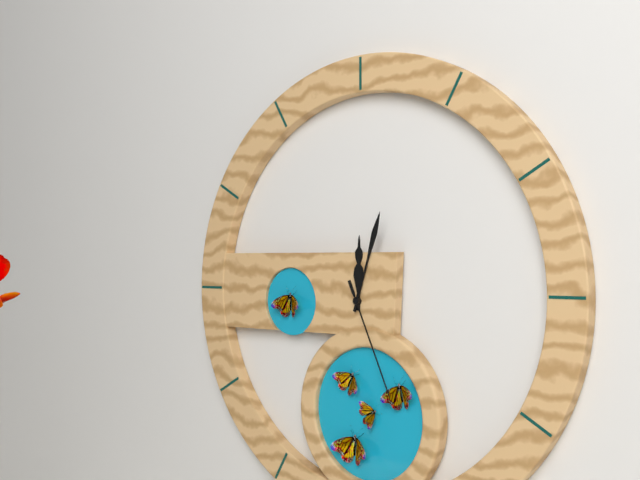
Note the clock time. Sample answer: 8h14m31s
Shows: 12h03m26s
